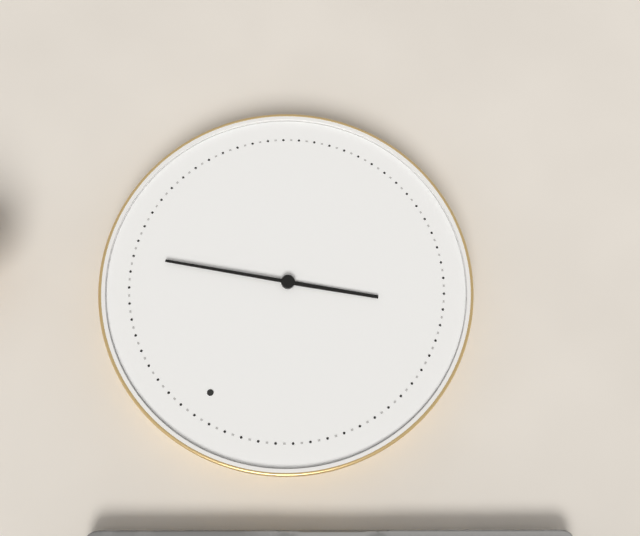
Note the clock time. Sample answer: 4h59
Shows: 8h11
